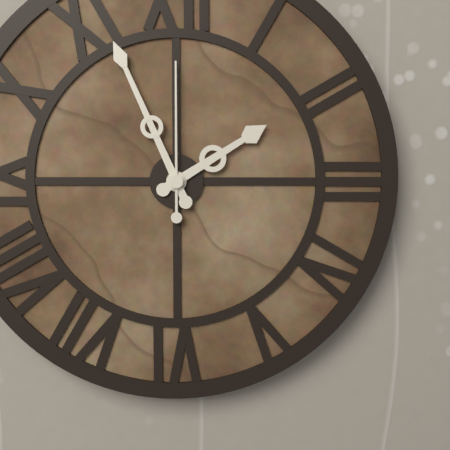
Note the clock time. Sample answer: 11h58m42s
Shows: 1h56m00s
